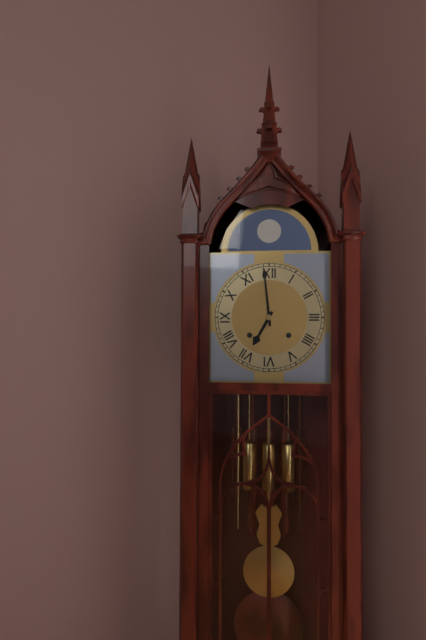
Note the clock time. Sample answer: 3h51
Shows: 6h59
